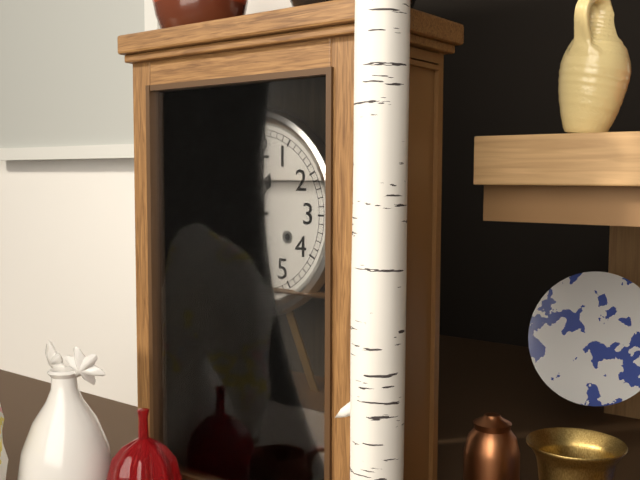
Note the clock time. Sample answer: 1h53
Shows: 12h45
